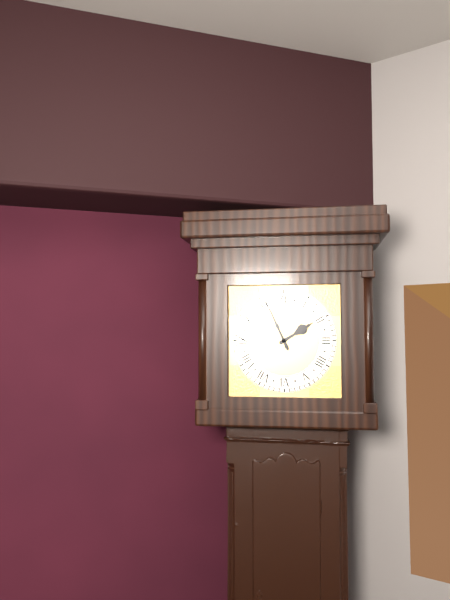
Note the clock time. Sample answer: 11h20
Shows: 1h56
